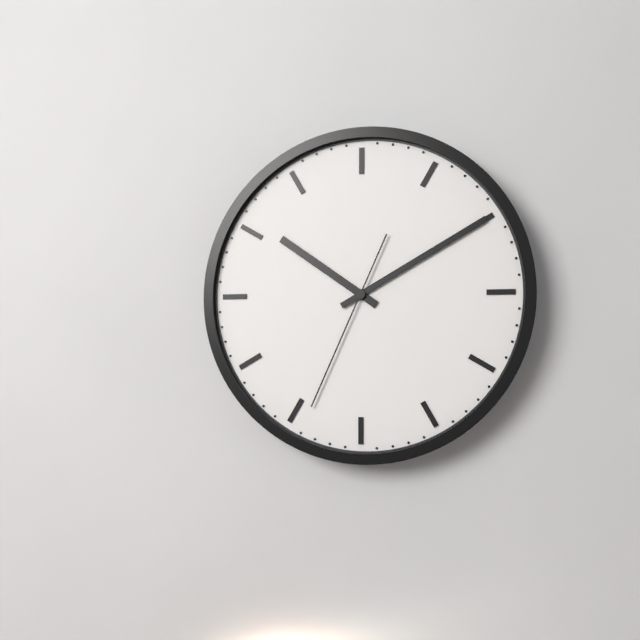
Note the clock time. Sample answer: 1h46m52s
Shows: 10h10m34s
